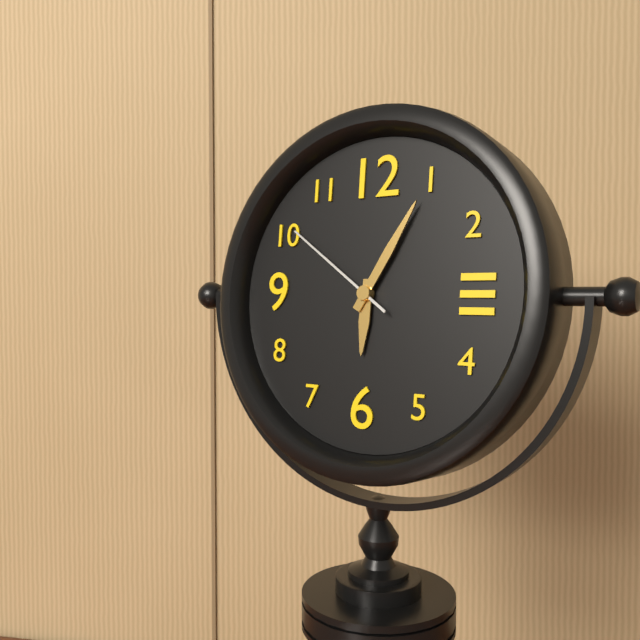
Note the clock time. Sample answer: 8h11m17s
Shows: 6h05m51s
